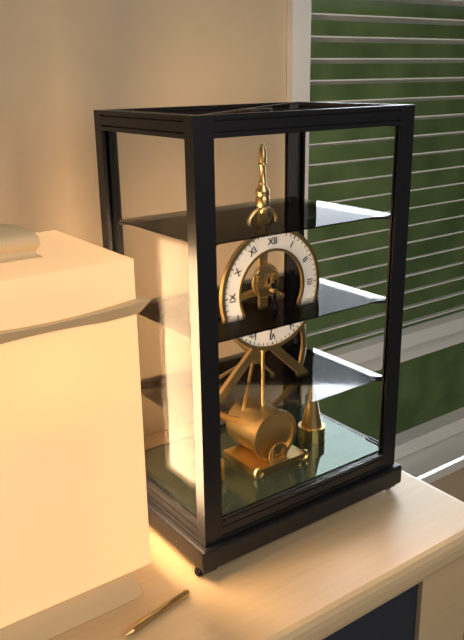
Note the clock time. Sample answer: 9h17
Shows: 5h31
